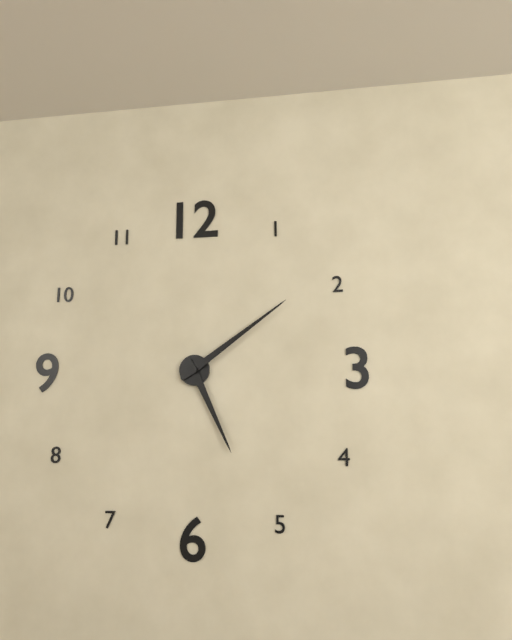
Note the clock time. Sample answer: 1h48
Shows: 5h09
